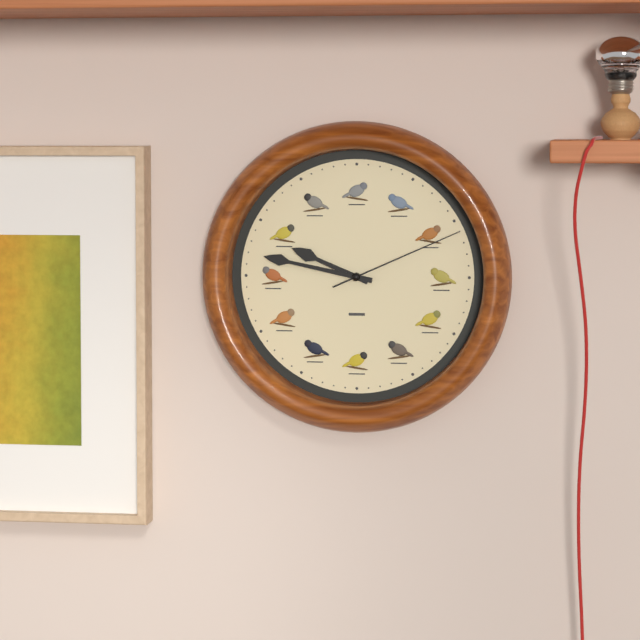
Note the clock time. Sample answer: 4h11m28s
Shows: 9h47m11s
